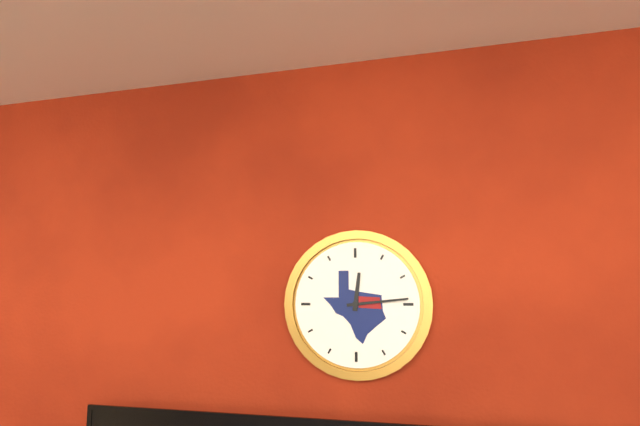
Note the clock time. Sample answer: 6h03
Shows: 12h14
